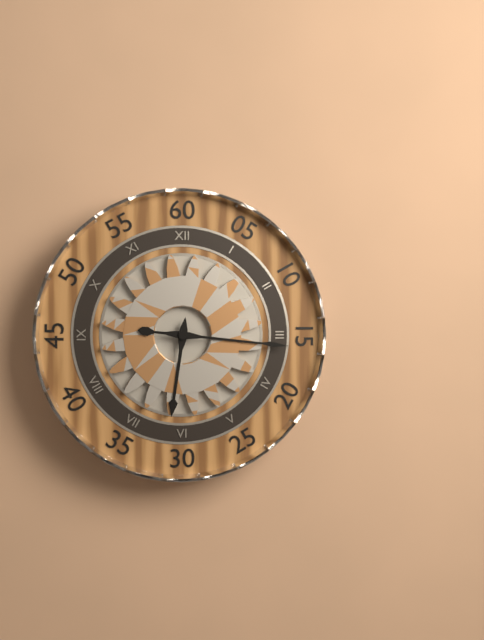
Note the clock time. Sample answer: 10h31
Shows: 6h16
